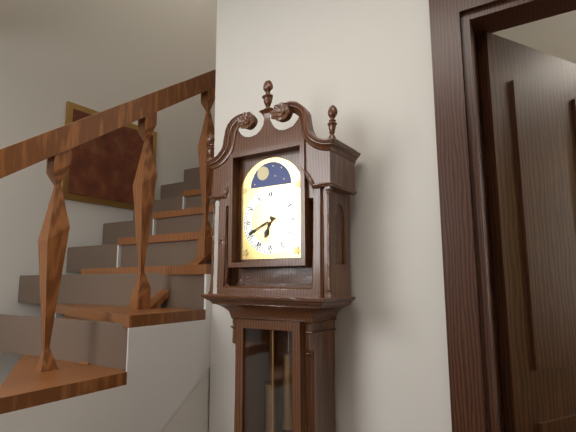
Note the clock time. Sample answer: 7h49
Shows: 6h41
